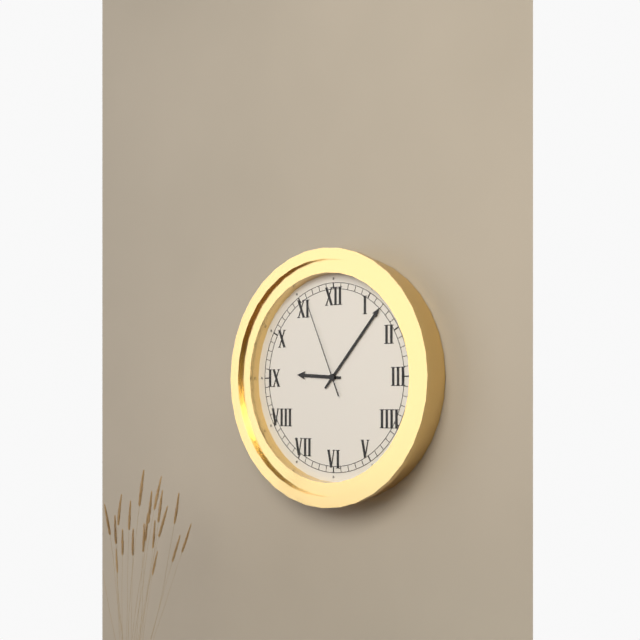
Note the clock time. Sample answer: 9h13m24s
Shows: 9h07m56s
